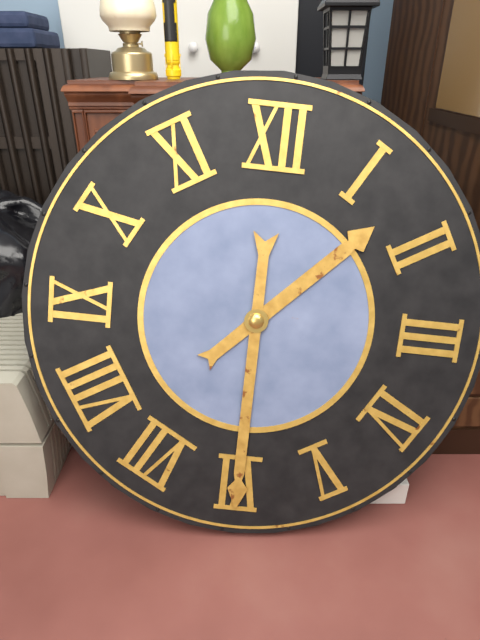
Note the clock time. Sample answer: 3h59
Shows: 1h30
